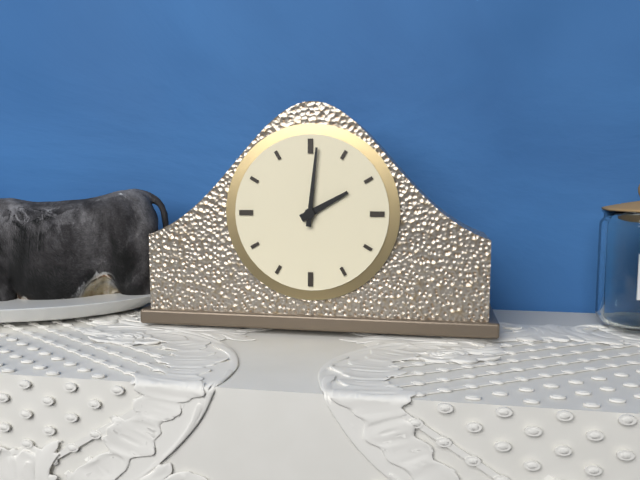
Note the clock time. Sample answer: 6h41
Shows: 2h01
